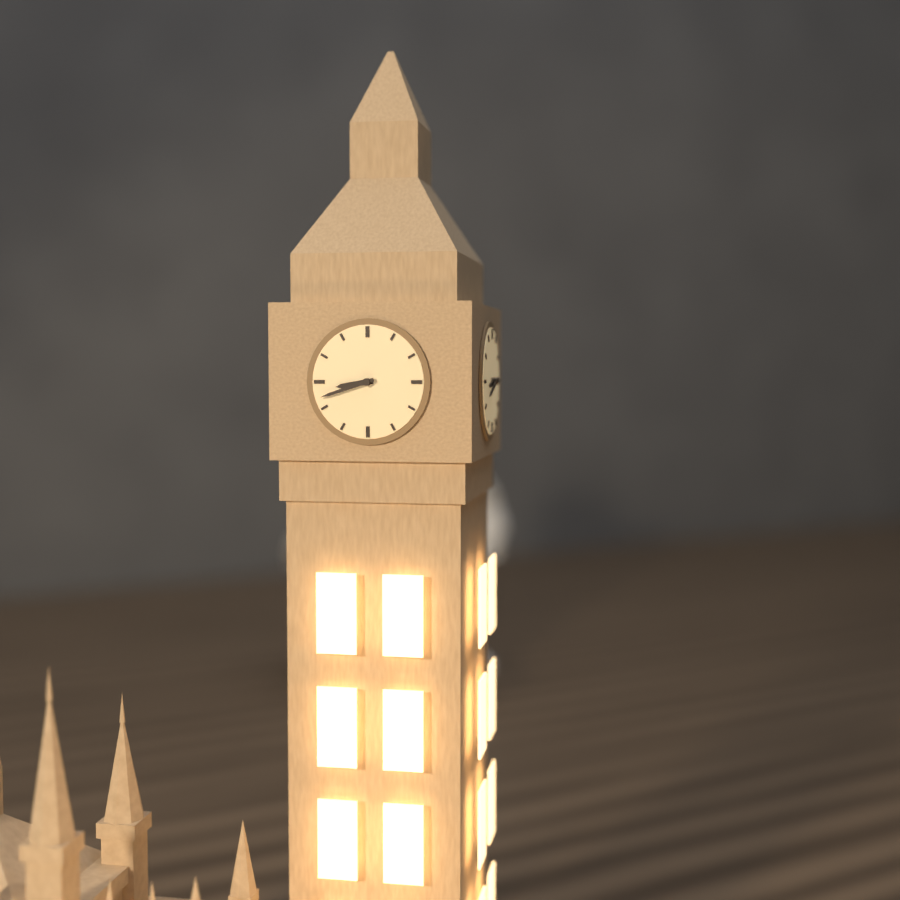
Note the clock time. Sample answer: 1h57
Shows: 8h42
